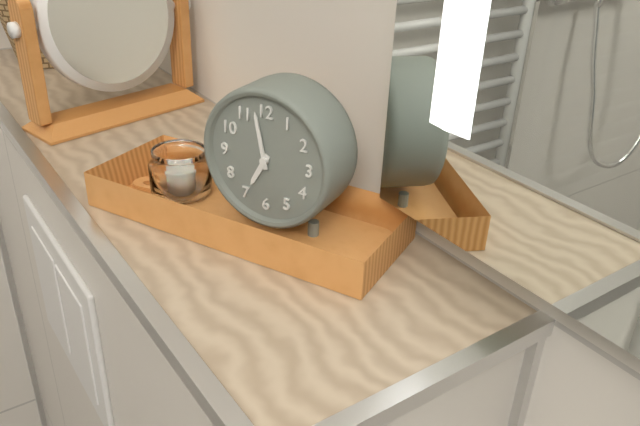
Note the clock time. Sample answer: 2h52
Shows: 6h58
